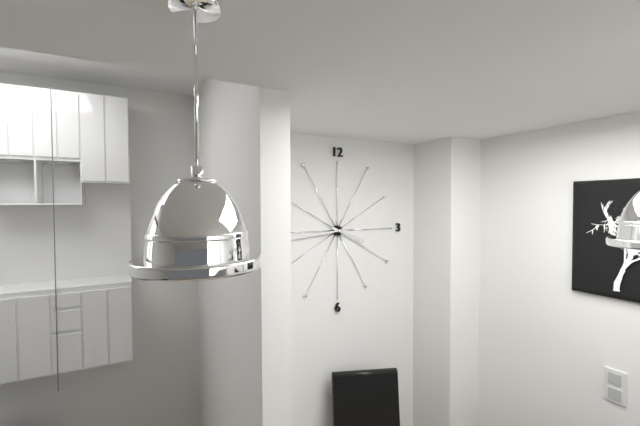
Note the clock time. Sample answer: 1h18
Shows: 3h44
